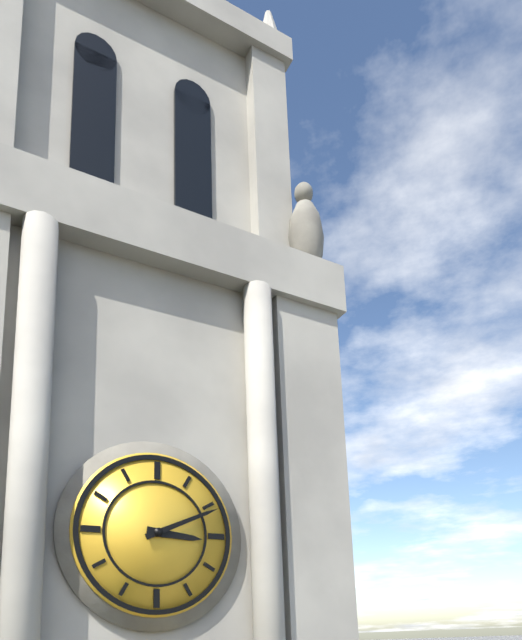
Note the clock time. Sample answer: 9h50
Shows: 3h11
